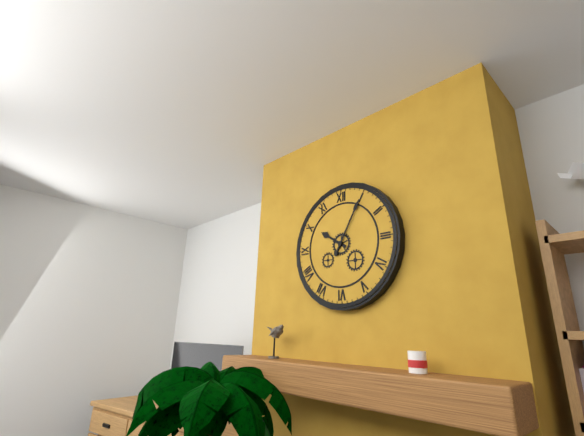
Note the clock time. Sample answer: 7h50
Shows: 10h05
